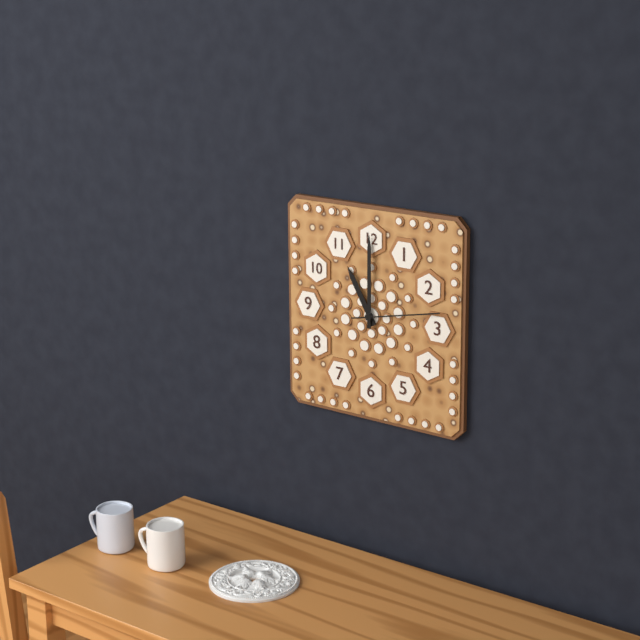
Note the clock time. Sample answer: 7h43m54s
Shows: 11h00m13s
